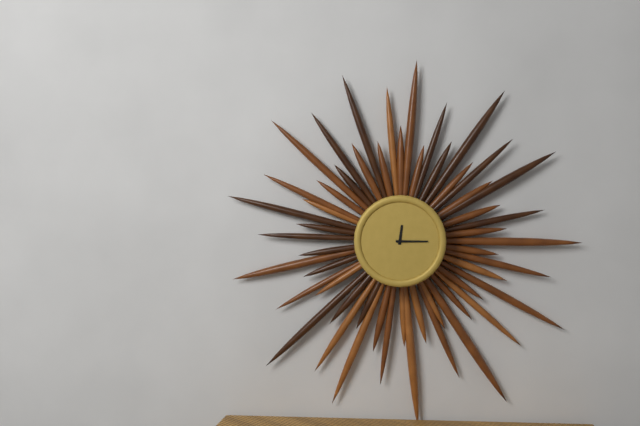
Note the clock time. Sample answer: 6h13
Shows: 12h15
